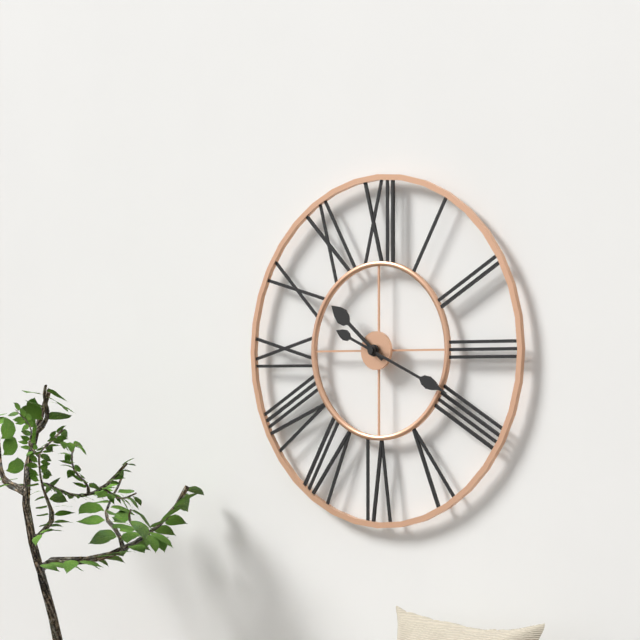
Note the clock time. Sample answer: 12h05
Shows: 10h19
